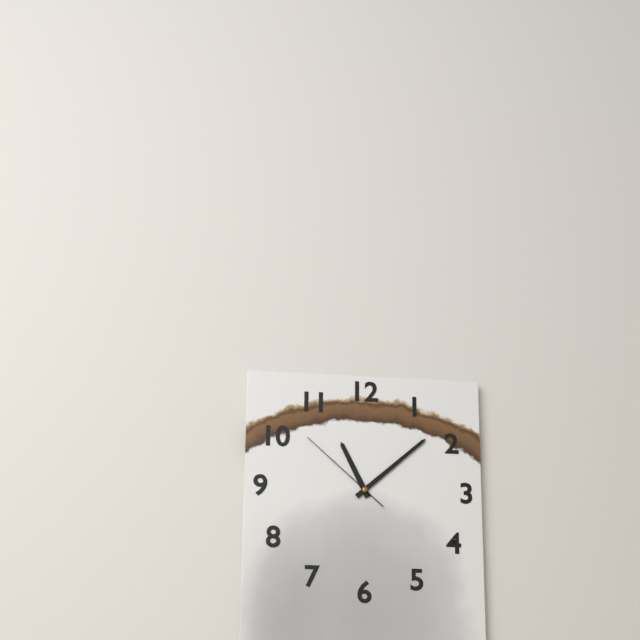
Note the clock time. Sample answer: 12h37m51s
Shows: 11h08m52s
